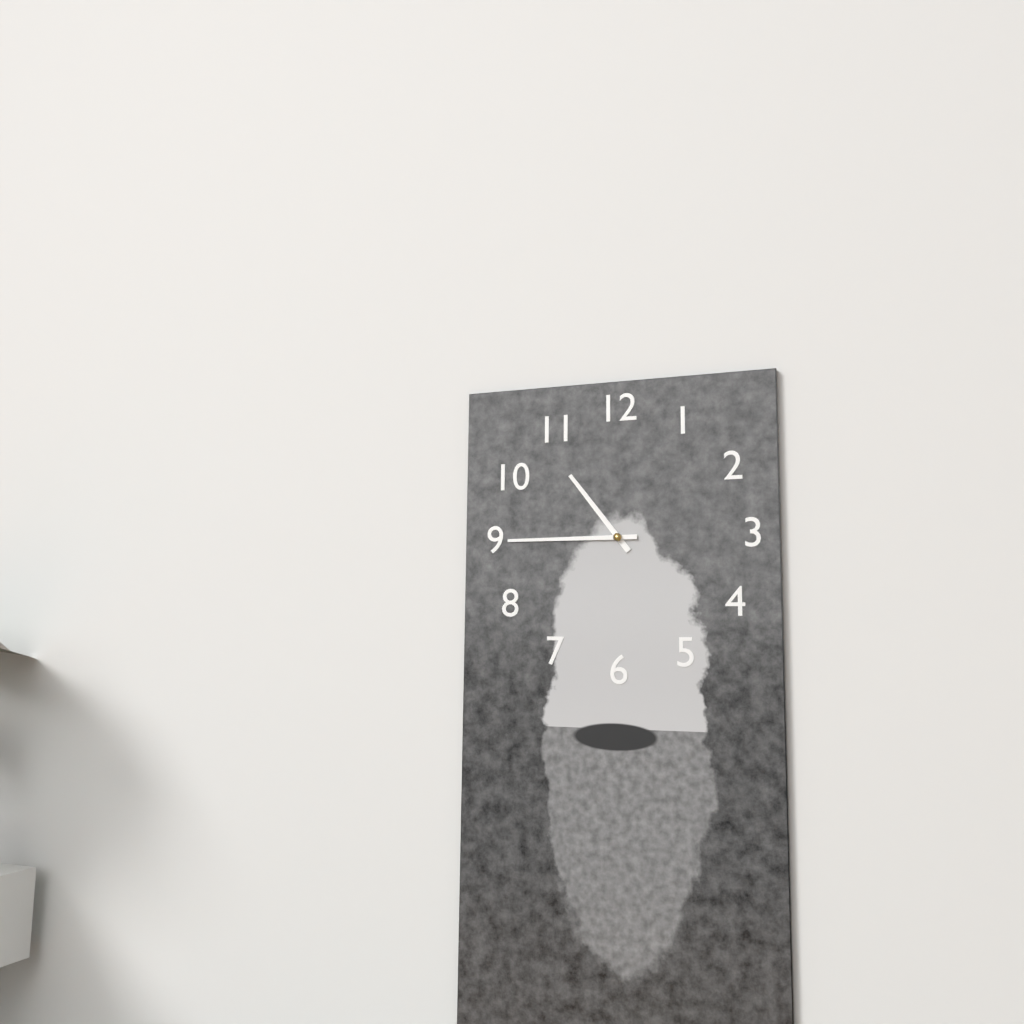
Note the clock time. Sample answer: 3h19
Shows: 10h45
